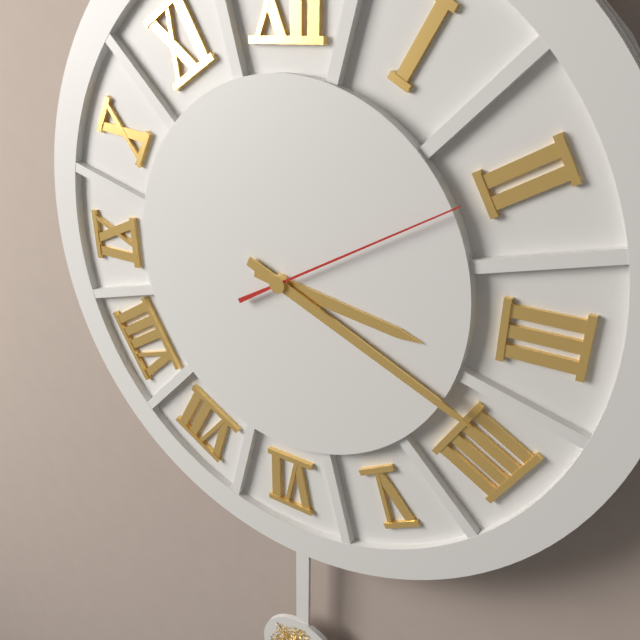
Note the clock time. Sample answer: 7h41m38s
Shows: 3h19m10s
